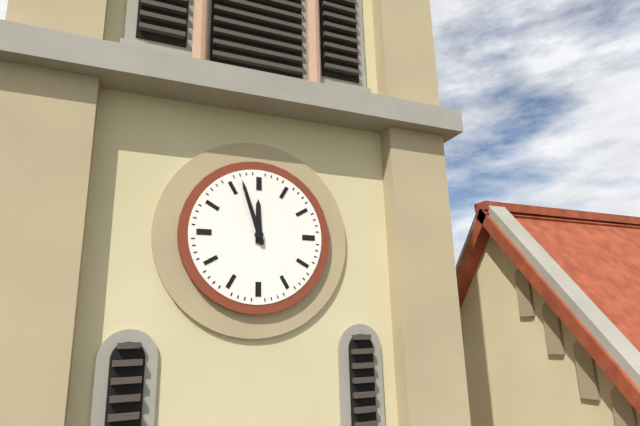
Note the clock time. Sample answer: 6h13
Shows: 11h57
